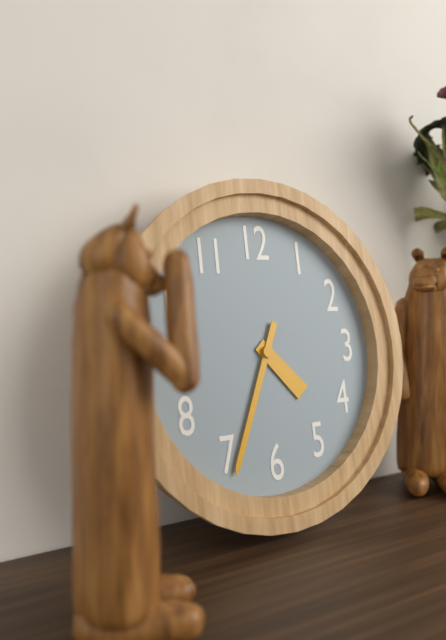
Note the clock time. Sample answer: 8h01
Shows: 4h34
